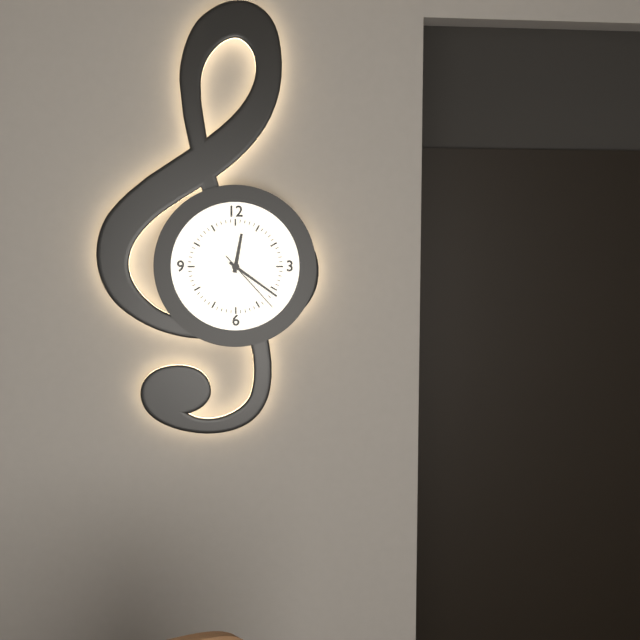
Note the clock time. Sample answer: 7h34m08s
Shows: 12h21m23s
